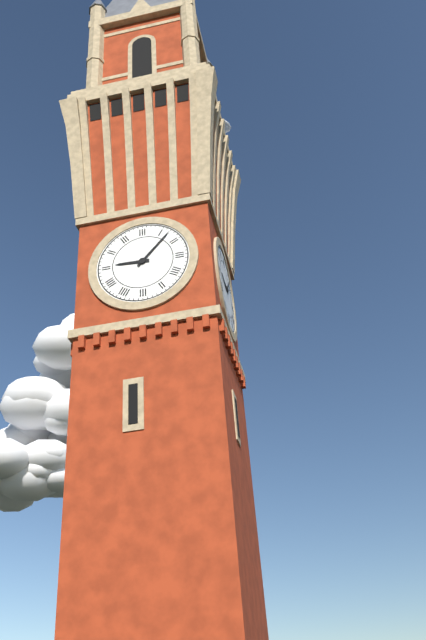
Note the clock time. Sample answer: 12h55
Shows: 9h07
